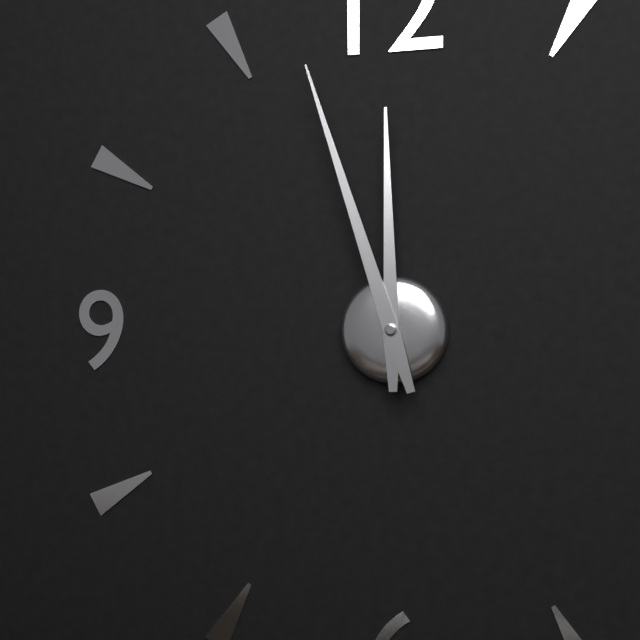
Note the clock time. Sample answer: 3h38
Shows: 11h57
